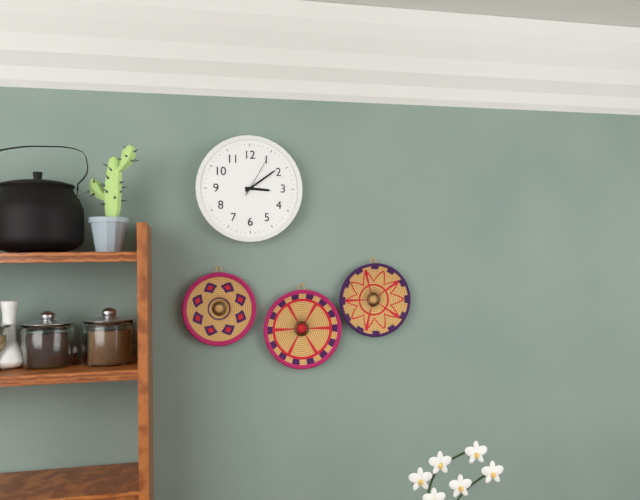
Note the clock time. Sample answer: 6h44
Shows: 3h09
